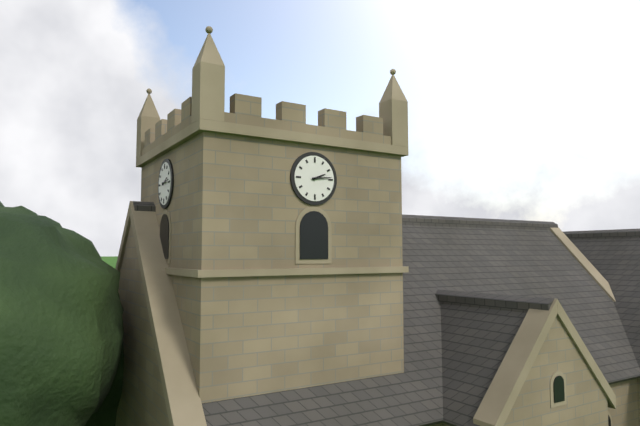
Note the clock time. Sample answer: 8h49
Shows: 2h14
